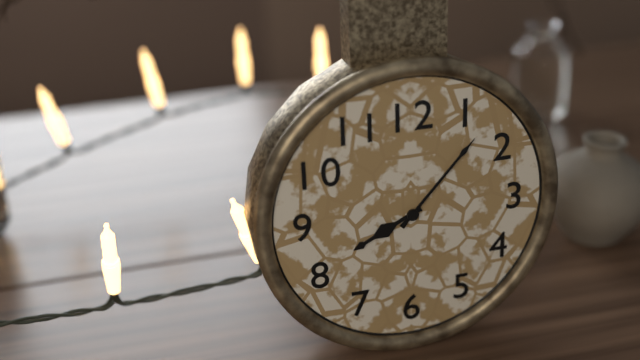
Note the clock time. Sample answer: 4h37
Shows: 8h07
